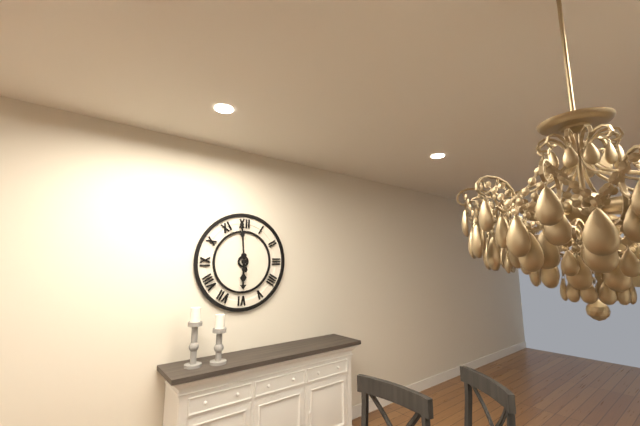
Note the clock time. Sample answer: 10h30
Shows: 5h59
